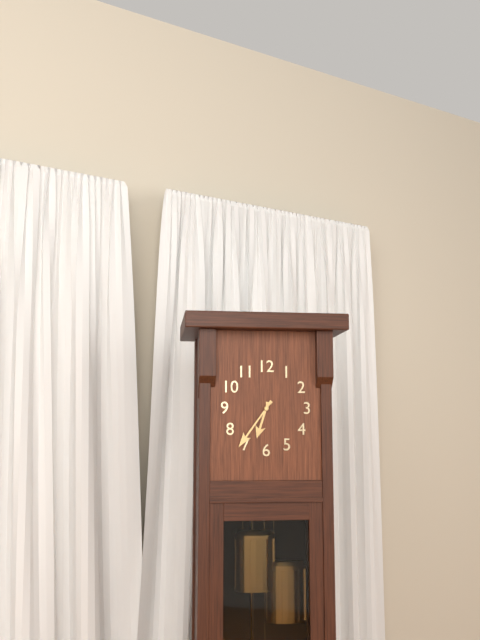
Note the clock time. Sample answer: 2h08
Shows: 6h36
